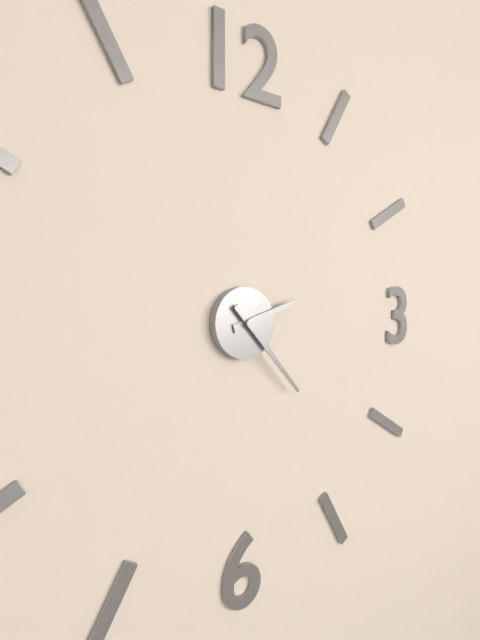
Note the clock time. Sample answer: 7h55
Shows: 2h23
